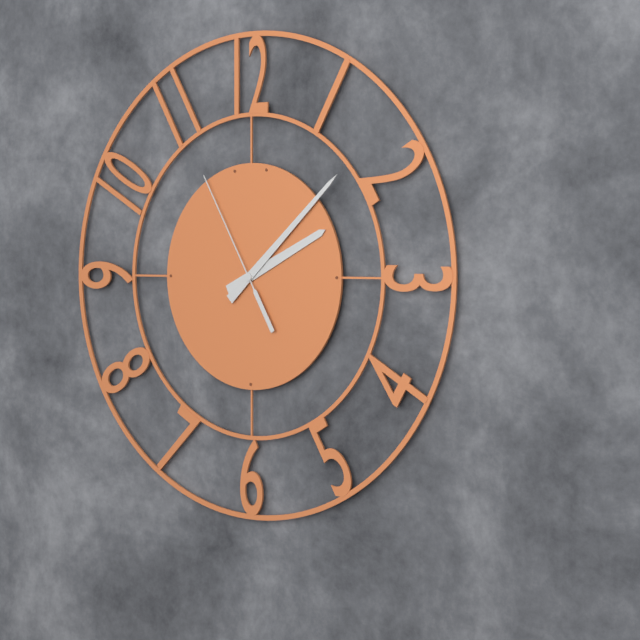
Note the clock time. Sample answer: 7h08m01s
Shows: 2h08m55s
